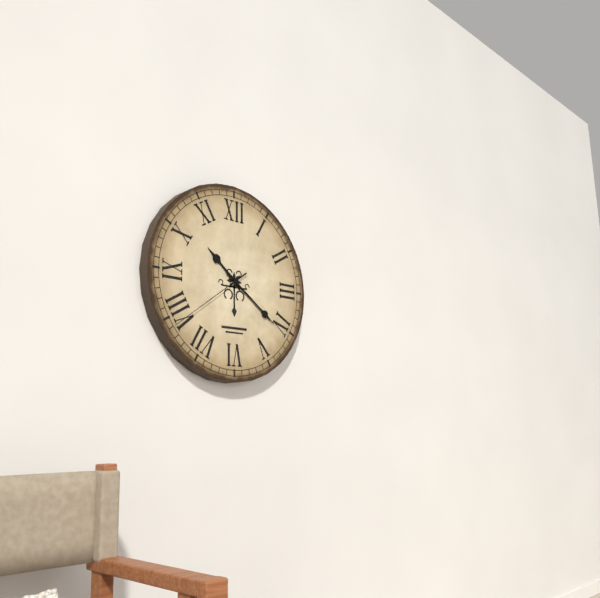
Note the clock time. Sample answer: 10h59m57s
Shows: 10h21m39s
